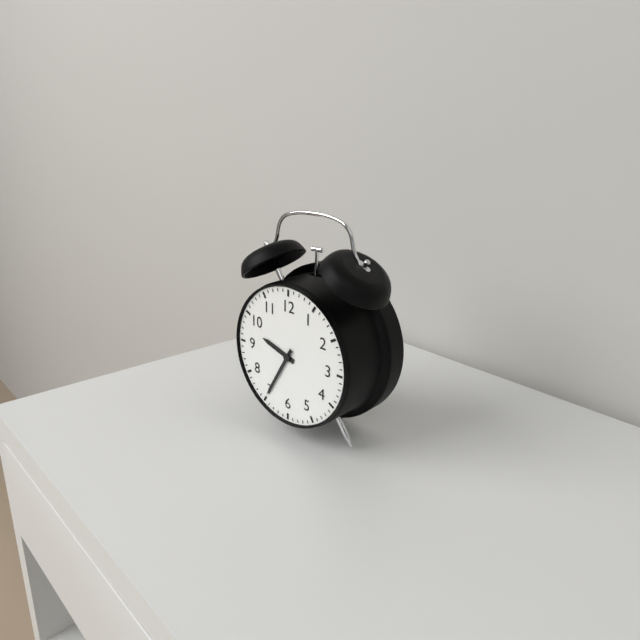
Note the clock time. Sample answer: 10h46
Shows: 9h35
